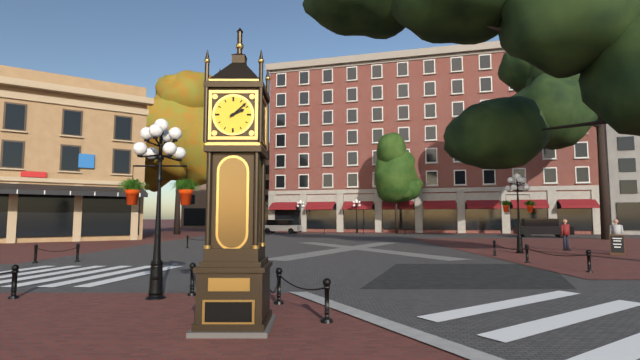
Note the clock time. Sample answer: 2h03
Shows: 2h08
